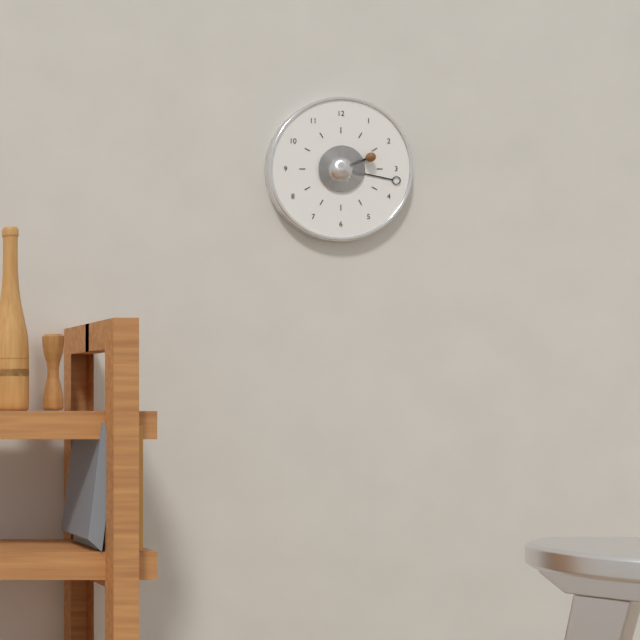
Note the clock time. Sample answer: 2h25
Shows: 2h17
